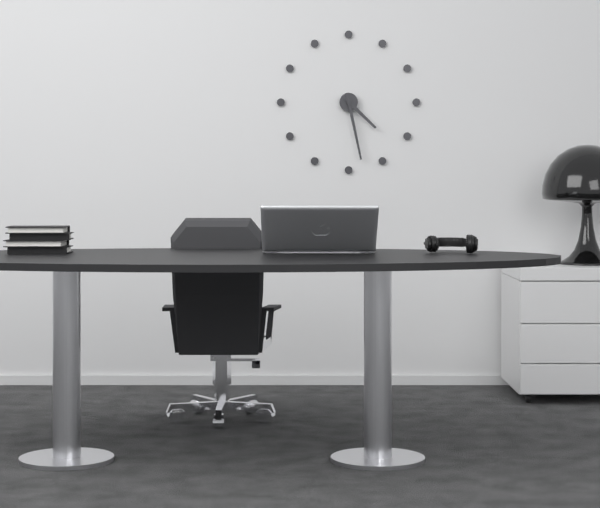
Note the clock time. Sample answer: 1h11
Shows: 4h28
